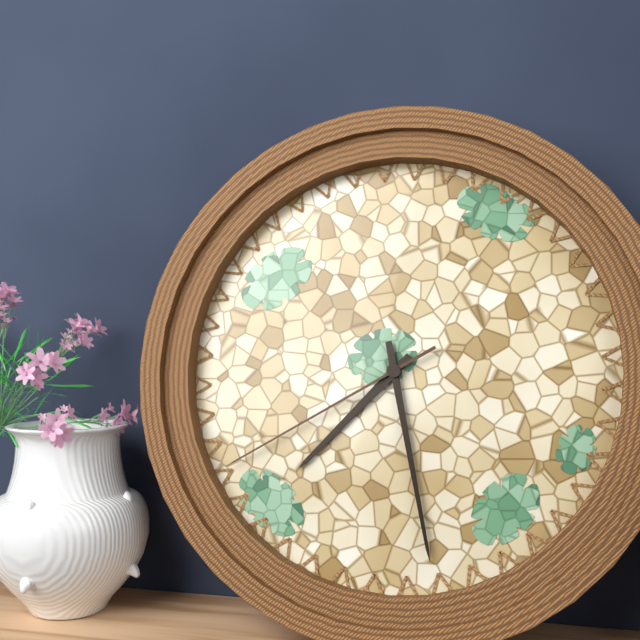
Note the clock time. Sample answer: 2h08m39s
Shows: 7h28m40s
